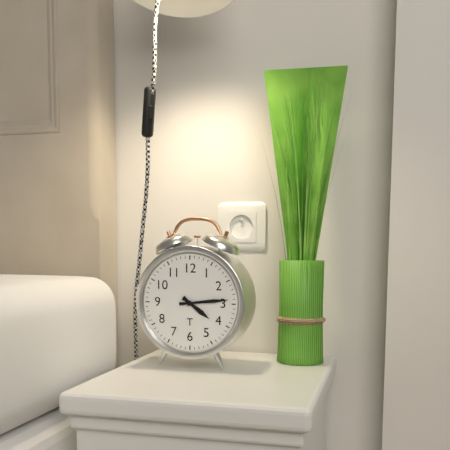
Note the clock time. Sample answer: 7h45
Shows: 4h14
